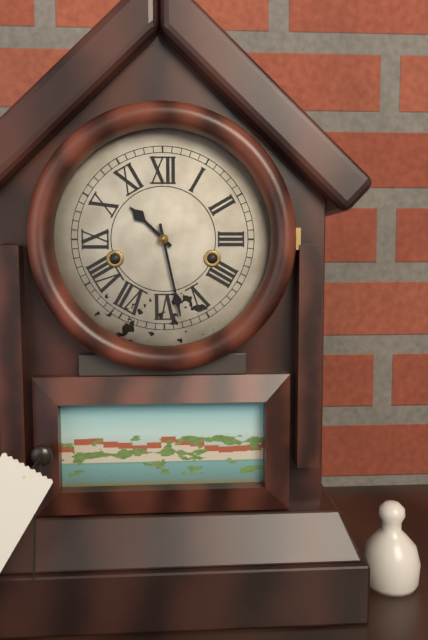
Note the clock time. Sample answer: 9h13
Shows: 10h28
